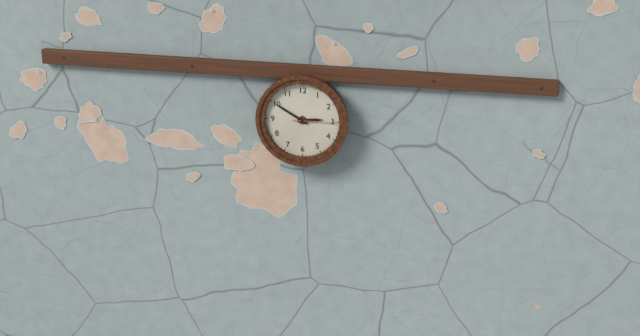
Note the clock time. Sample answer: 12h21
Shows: 2h50
